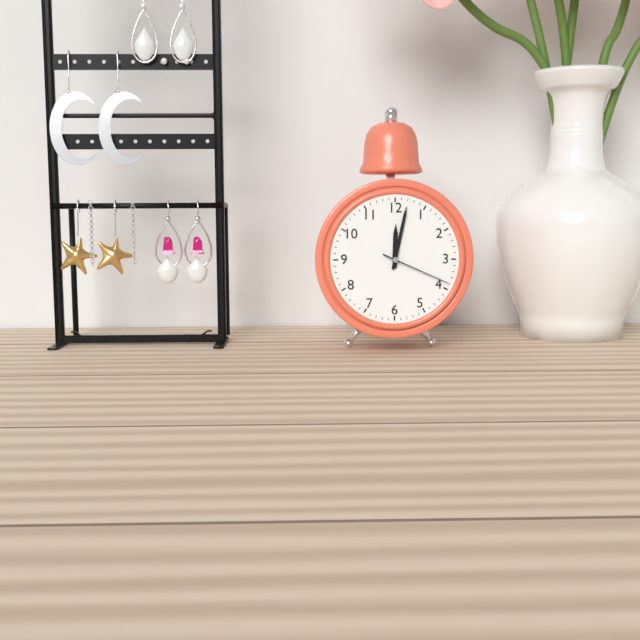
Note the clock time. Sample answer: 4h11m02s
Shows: 12h02m19s
